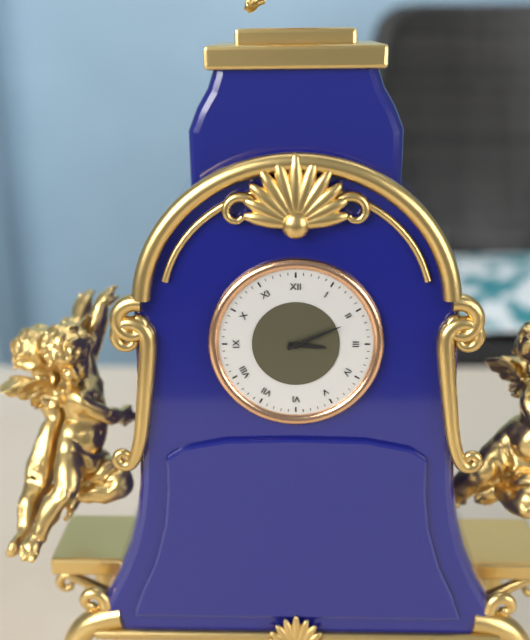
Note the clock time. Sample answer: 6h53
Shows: 3h11
